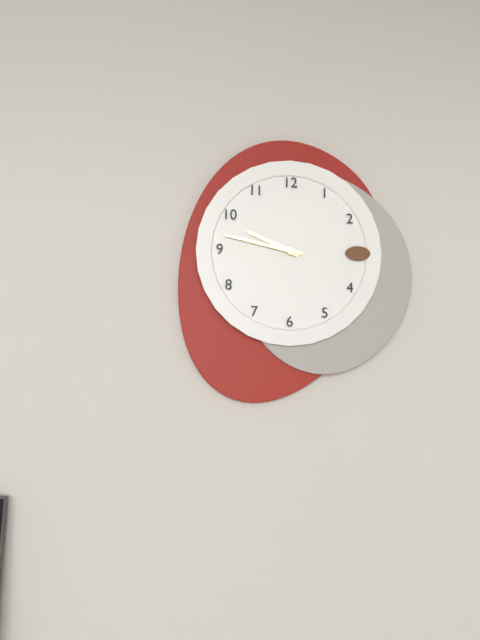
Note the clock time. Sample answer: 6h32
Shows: 9h47
